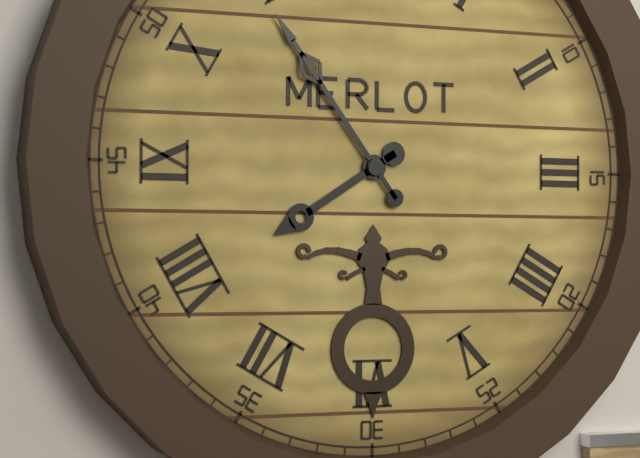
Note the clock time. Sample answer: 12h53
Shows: 7h54
